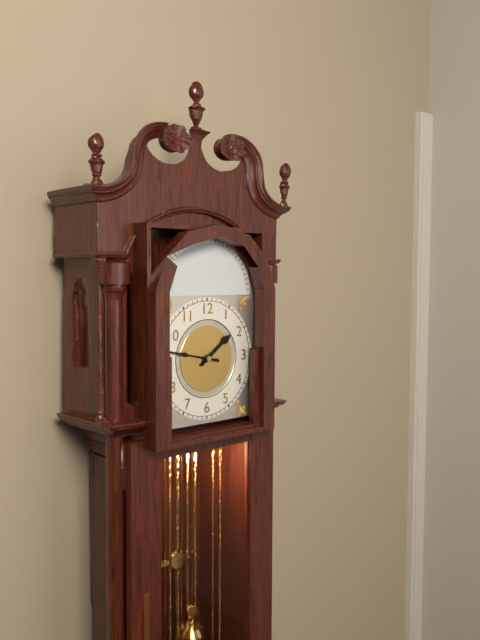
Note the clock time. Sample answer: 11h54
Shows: 1h47
